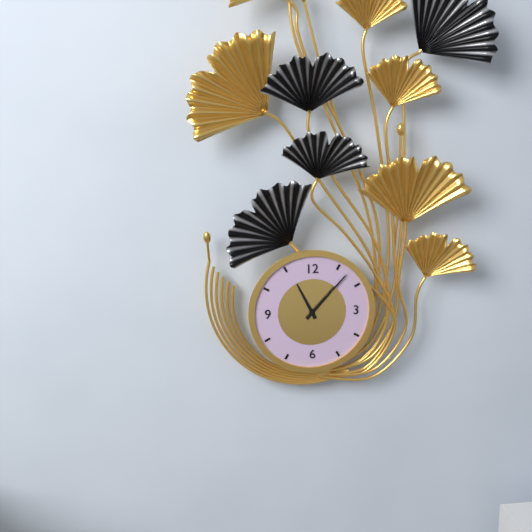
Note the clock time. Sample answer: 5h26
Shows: 11h07
